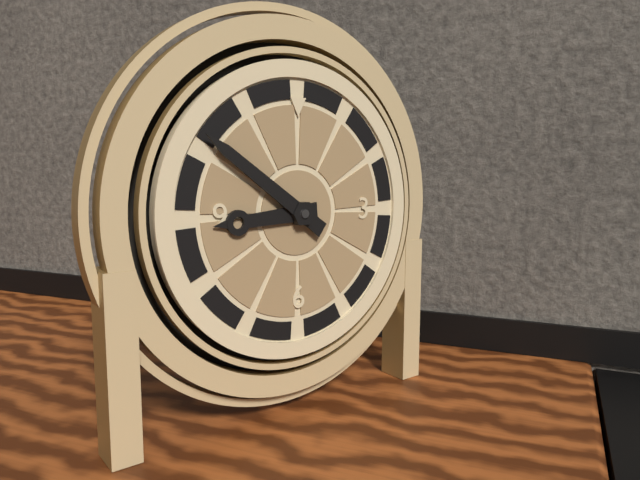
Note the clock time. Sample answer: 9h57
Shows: 8h51
